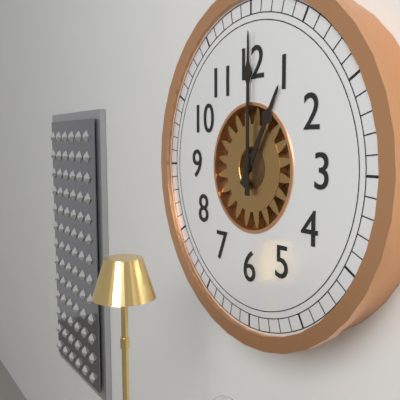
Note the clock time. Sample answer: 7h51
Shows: 1h00
